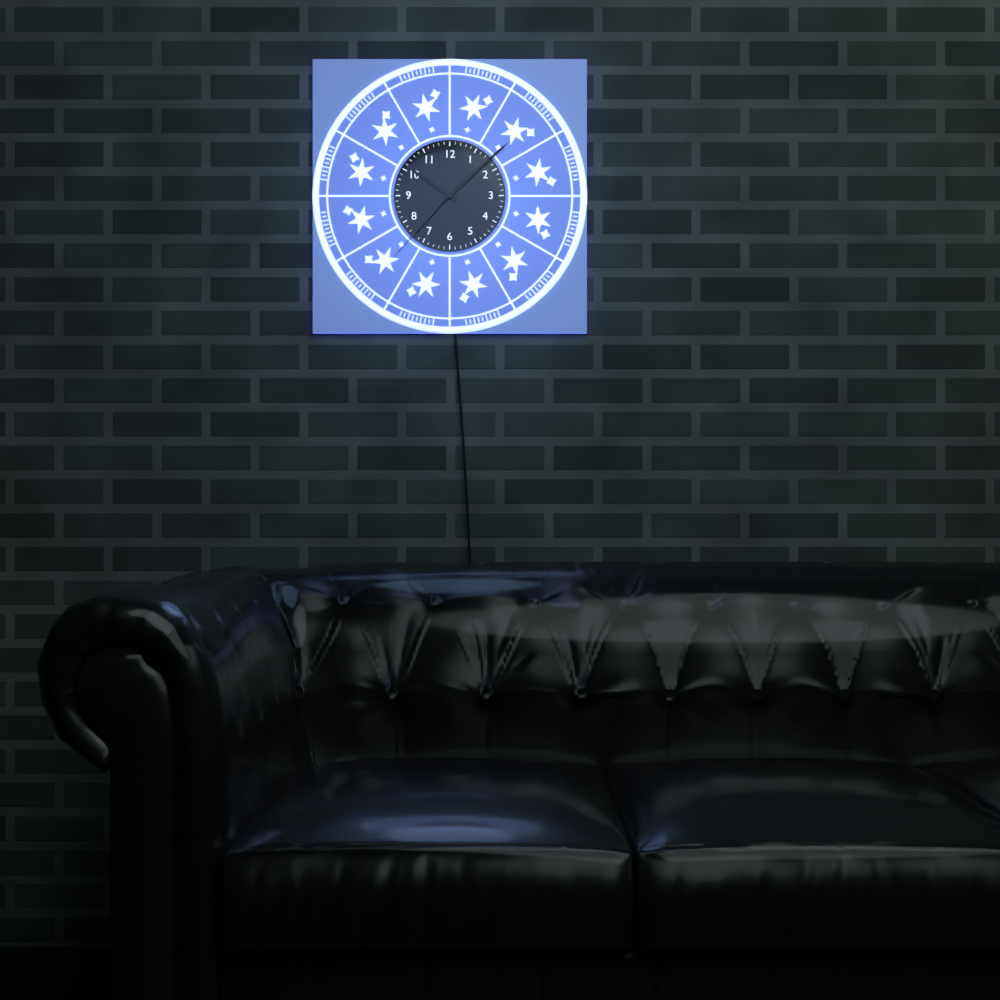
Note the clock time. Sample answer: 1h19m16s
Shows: 10h08m37s
